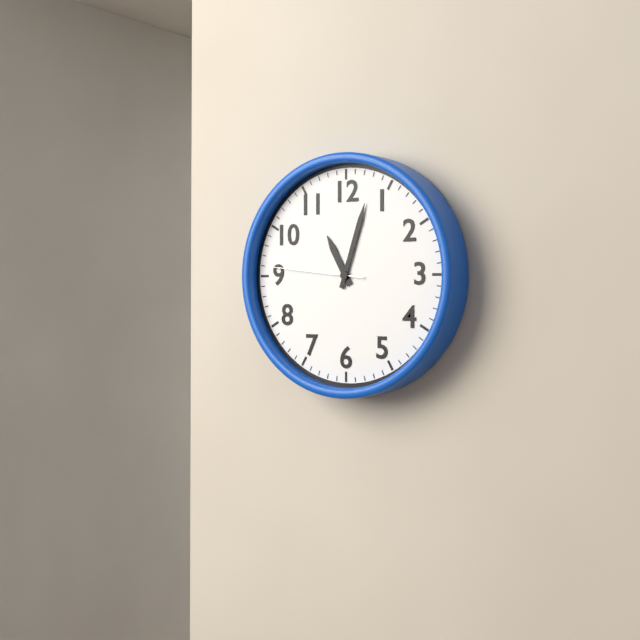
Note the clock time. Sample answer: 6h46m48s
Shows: 11h03m46s
